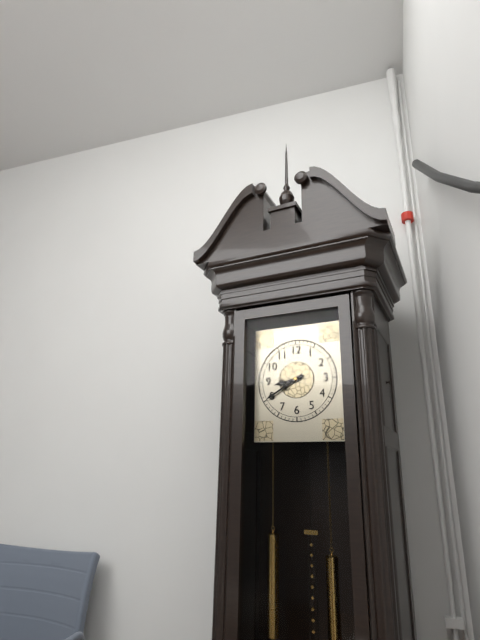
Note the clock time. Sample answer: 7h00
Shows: 8h40
